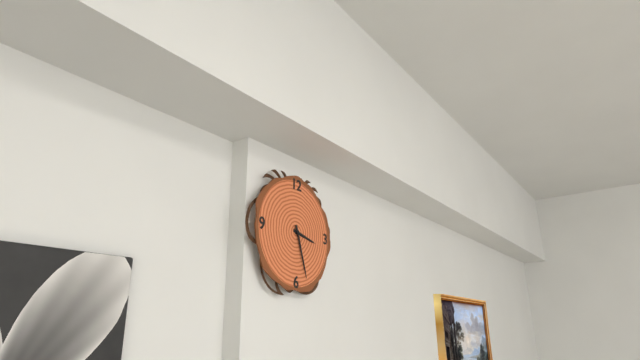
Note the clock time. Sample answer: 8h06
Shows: 3h27
